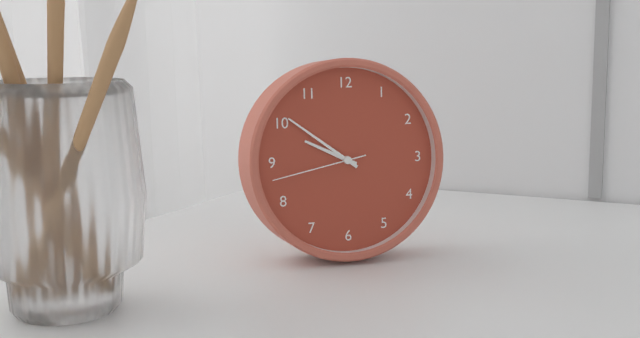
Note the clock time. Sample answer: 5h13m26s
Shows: 9h51m43s
